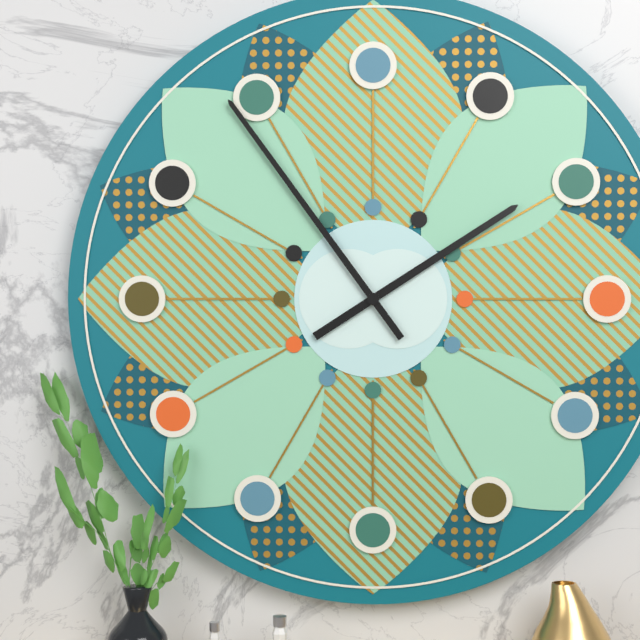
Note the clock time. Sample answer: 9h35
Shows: 1h54
